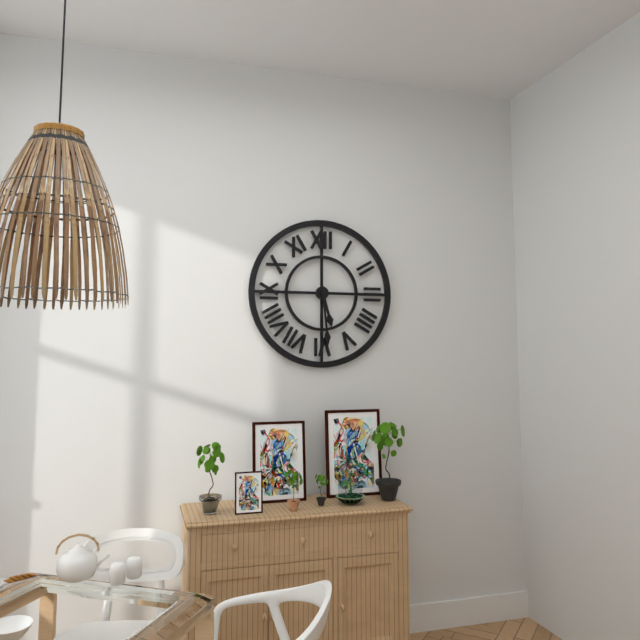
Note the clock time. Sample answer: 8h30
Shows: 5h29
